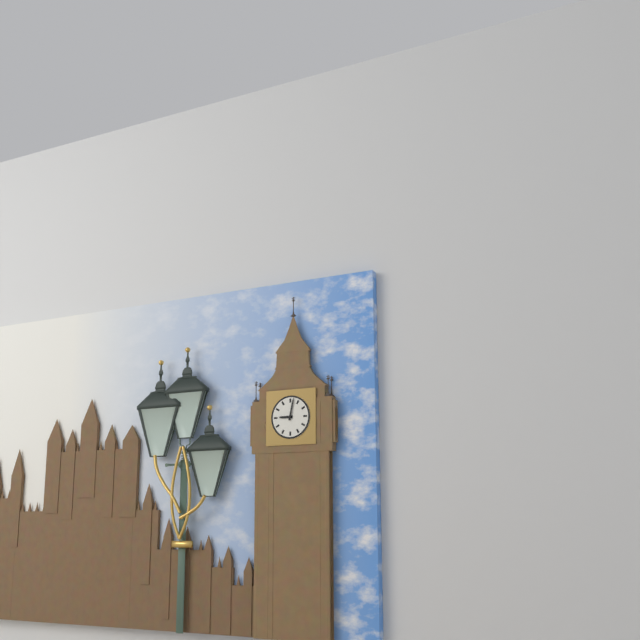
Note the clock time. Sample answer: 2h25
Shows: 9h02
